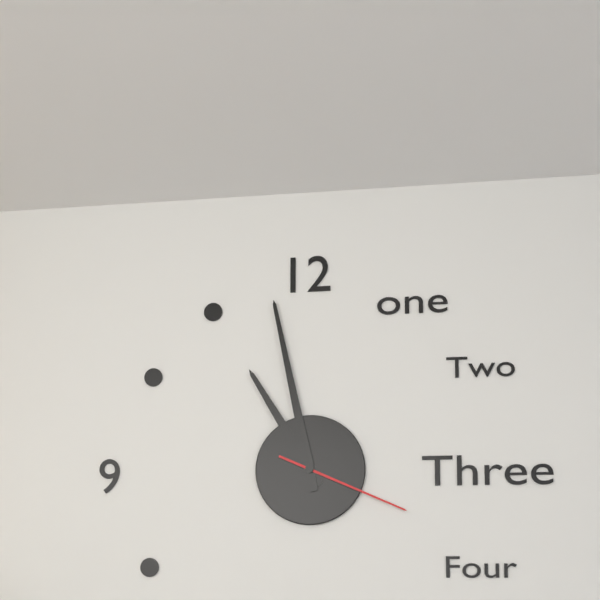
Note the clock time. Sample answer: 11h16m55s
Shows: 10h58m19s
